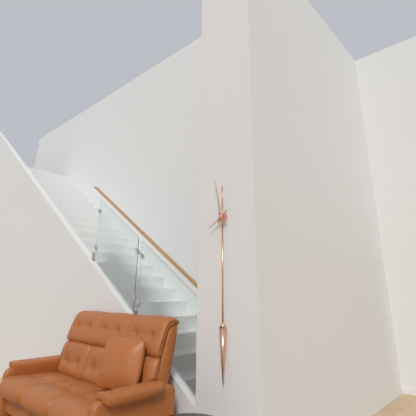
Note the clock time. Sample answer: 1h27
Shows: 7h58
